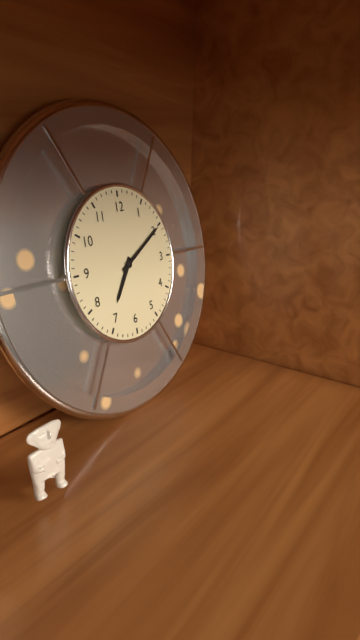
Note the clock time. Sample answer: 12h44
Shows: 7h10
